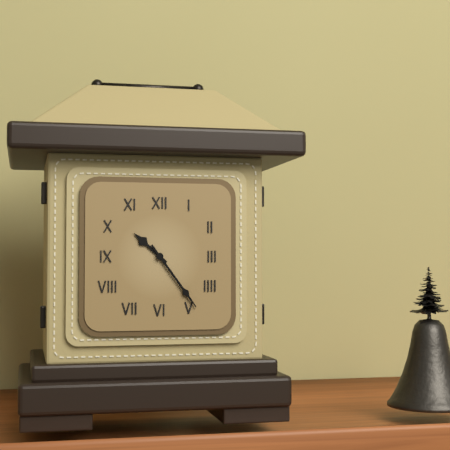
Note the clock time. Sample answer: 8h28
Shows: 10h24
